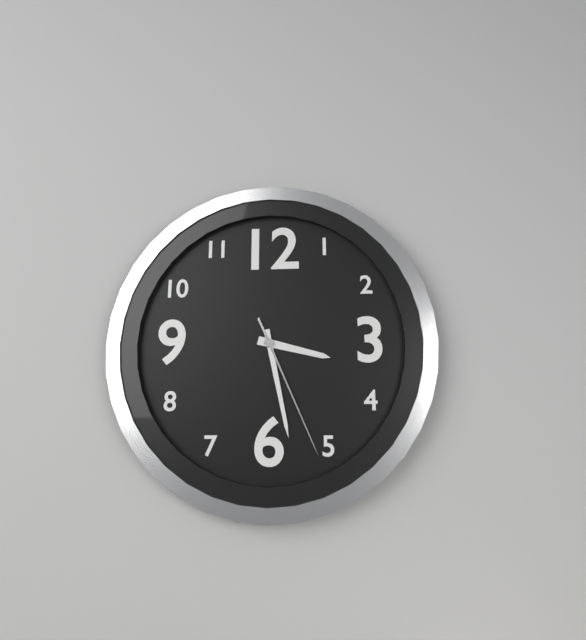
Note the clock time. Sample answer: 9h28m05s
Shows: 3h28m26s
